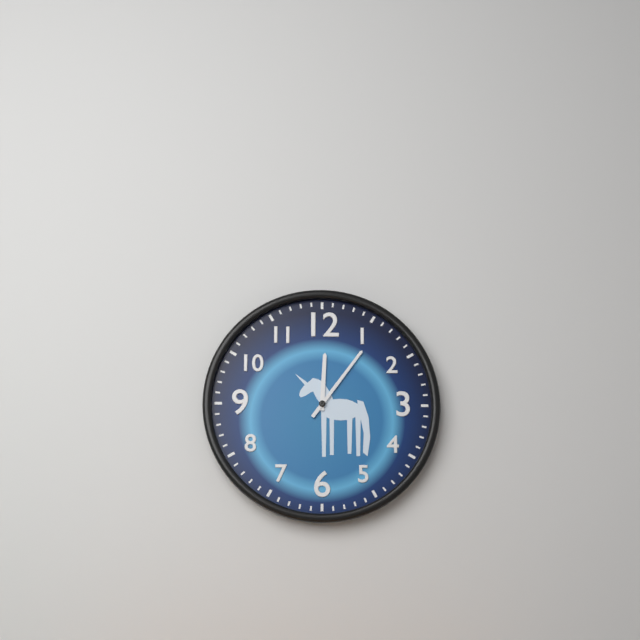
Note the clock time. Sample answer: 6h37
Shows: 12h06
